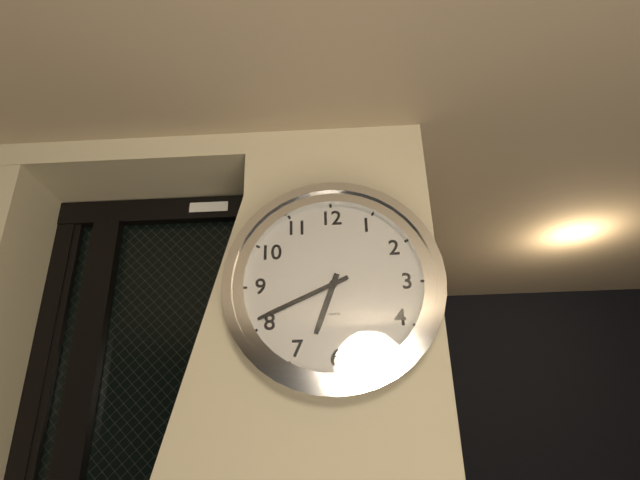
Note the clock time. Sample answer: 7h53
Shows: 6h41
